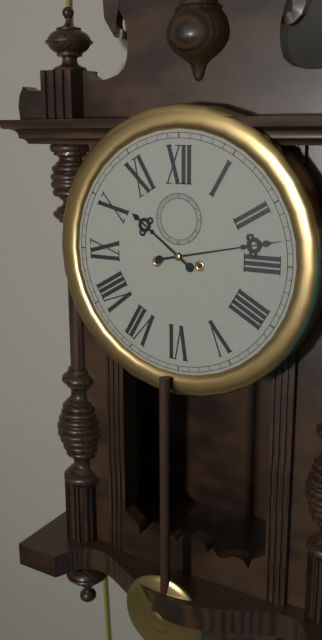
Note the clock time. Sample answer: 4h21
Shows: 10h13
